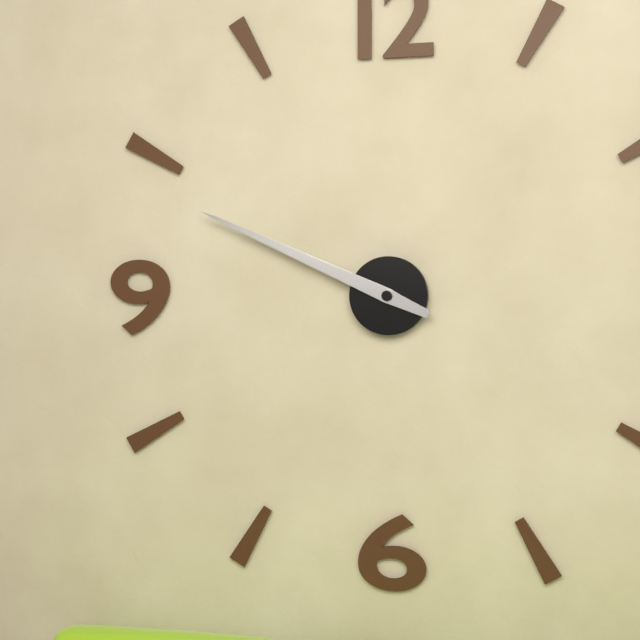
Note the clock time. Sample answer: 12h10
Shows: 9h49
